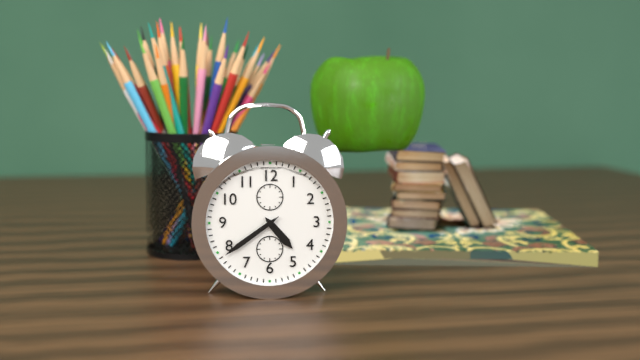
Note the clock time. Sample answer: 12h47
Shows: 4h39
